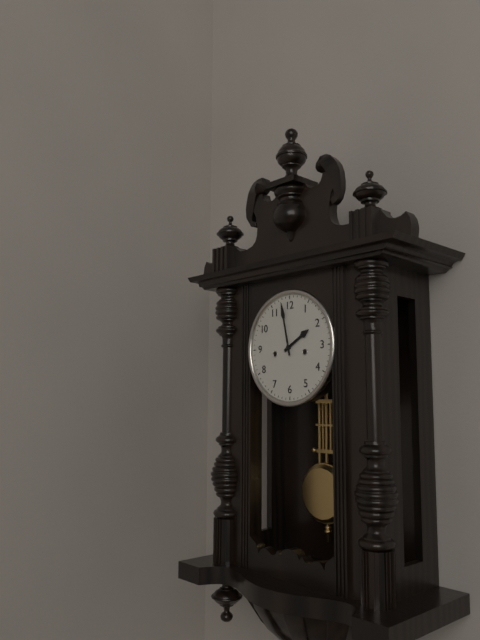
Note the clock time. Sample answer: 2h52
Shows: 1h58
